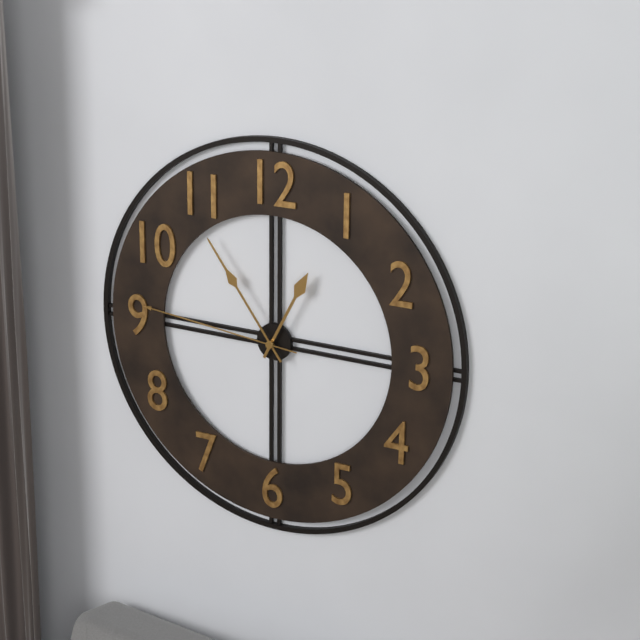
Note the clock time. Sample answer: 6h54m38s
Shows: 12h54m46s
